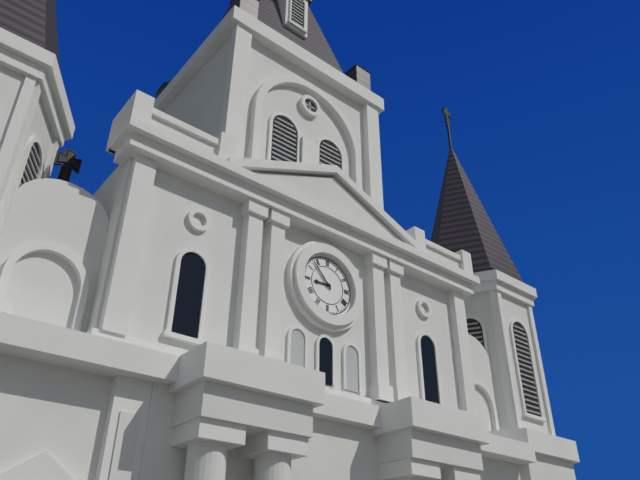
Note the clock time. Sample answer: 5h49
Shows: 8h53
